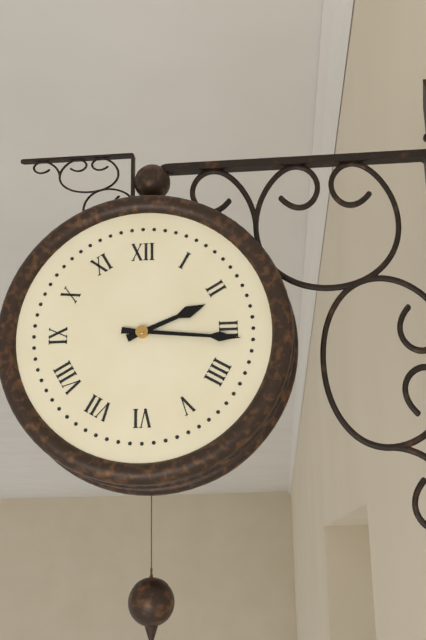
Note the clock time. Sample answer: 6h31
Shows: 2h16
